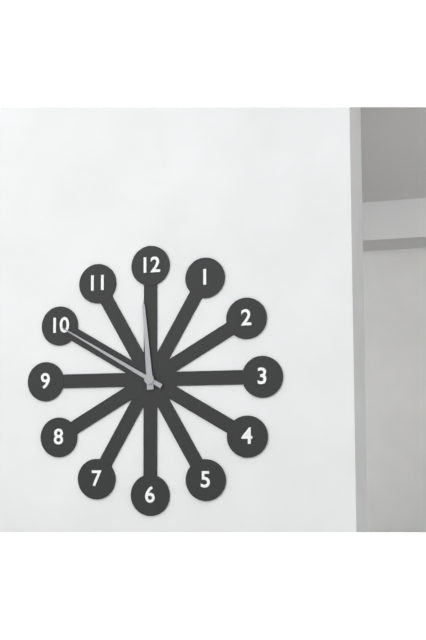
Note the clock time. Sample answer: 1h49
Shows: 11h50
